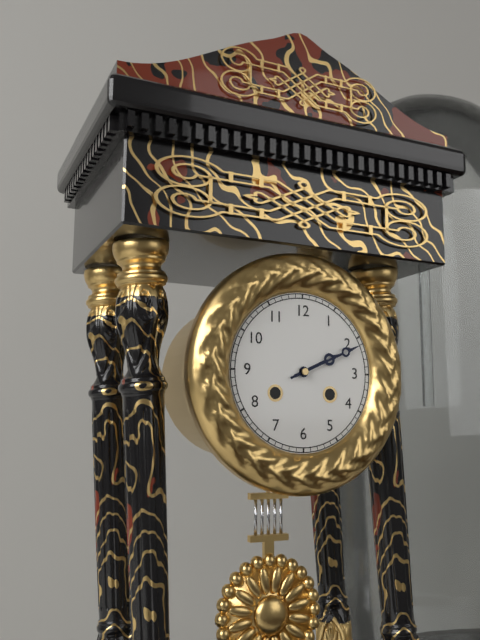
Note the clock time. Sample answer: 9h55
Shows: 2h11
